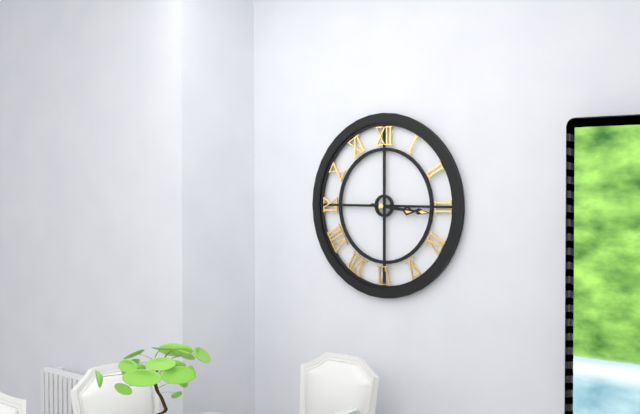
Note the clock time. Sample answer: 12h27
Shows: 3h16
